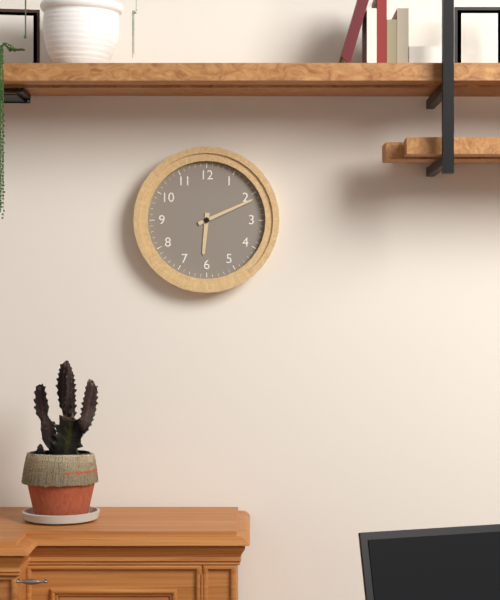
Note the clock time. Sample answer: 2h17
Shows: 6h11
